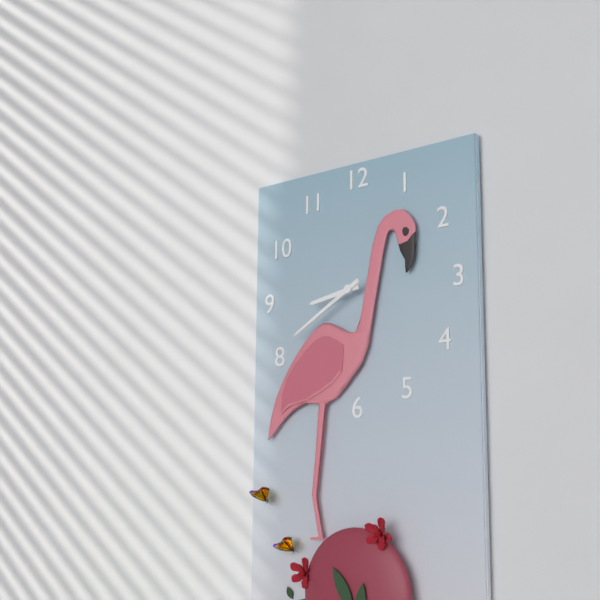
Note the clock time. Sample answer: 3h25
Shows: 8h40
